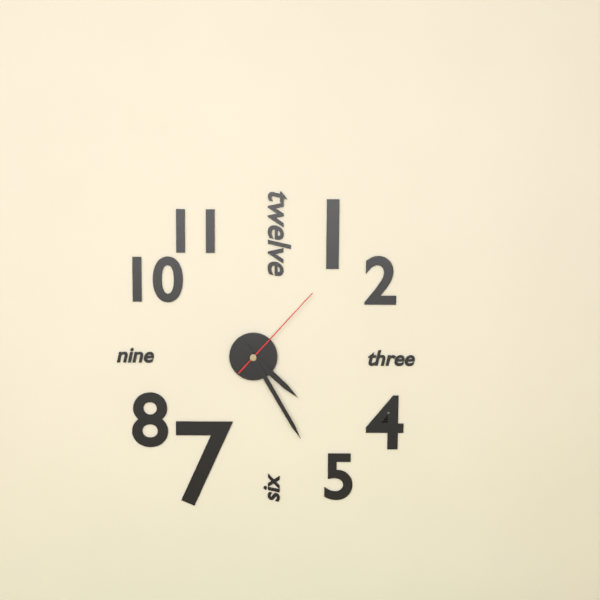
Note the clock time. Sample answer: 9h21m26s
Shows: 4h25m07s
